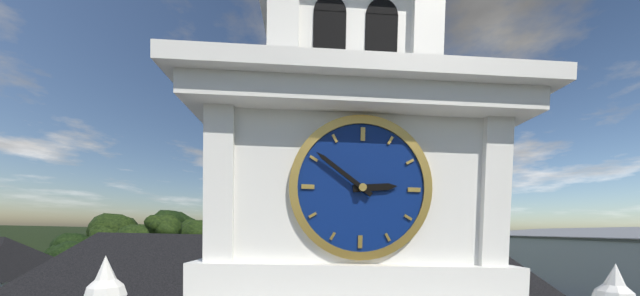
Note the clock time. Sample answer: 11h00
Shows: 2h51
